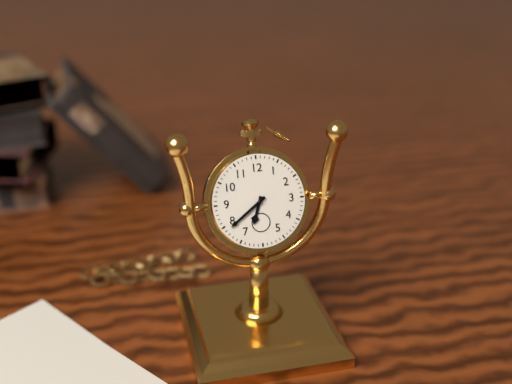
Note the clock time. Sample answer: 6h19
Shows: 6h39
